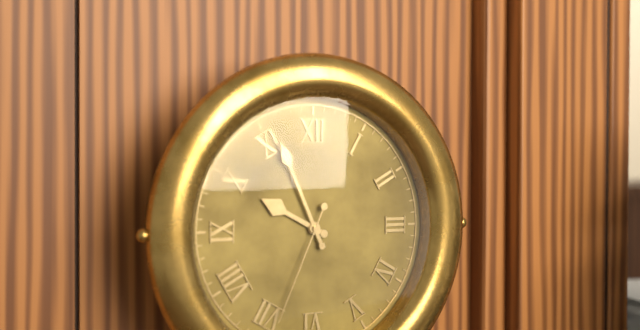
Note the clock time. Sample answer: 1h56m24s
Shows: 9h56m34s
